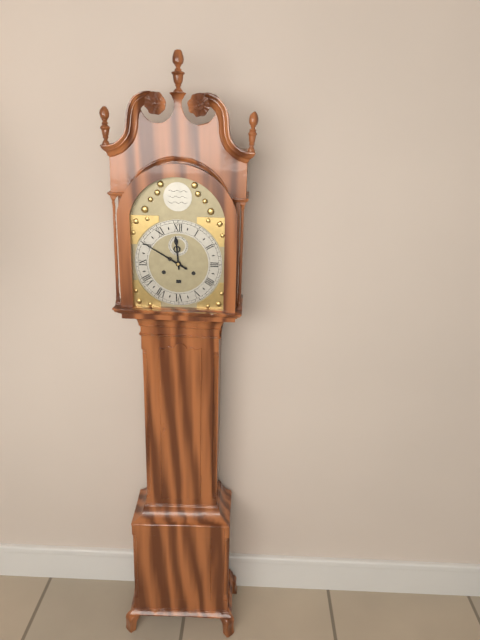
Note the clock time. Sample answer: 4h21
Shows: 11h50
